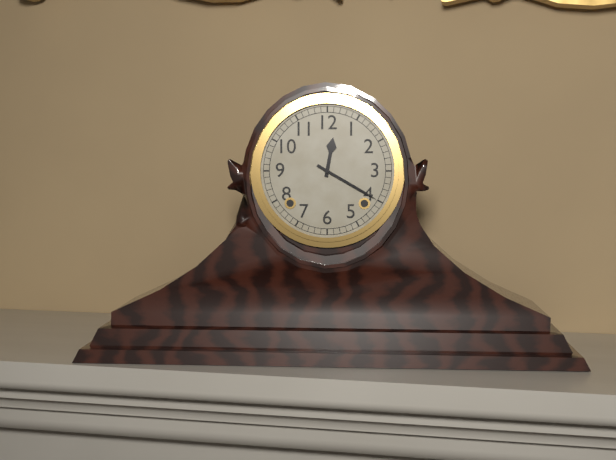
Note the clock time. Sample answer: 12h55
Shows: 12h20
